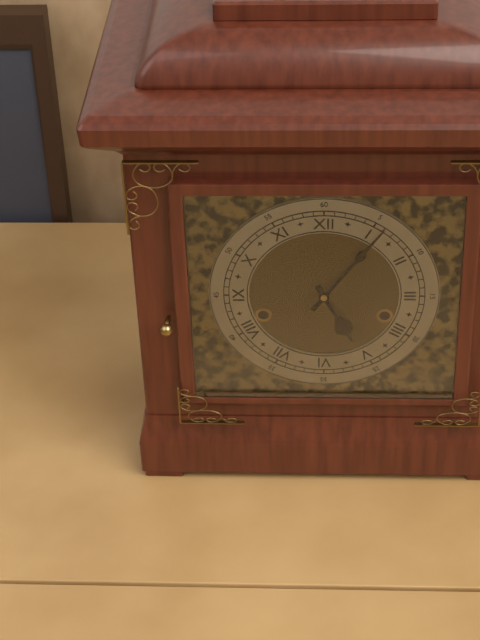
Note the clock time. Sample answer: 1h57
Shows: 5h06
